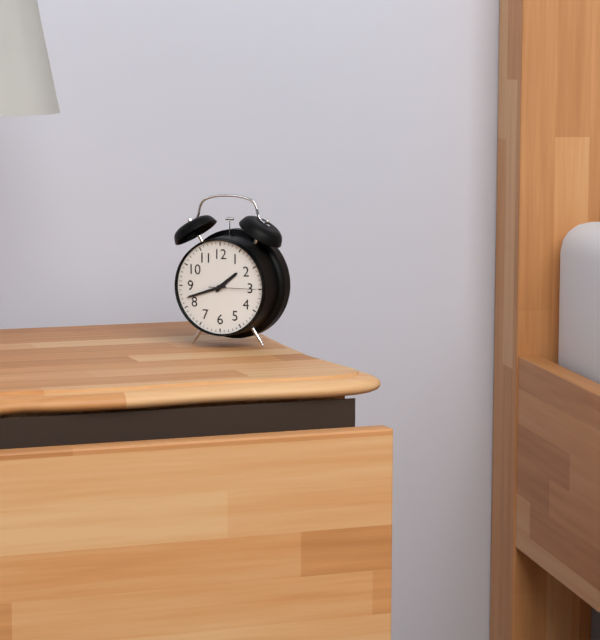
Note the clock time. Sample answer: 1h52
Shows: 1h42
